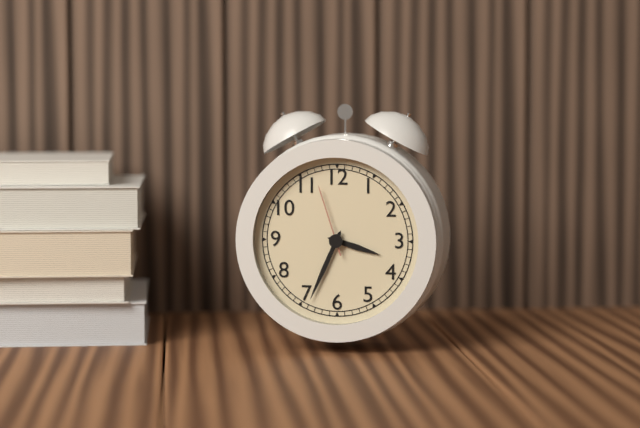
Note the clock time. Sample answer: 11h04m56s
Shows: 3h34m57s
